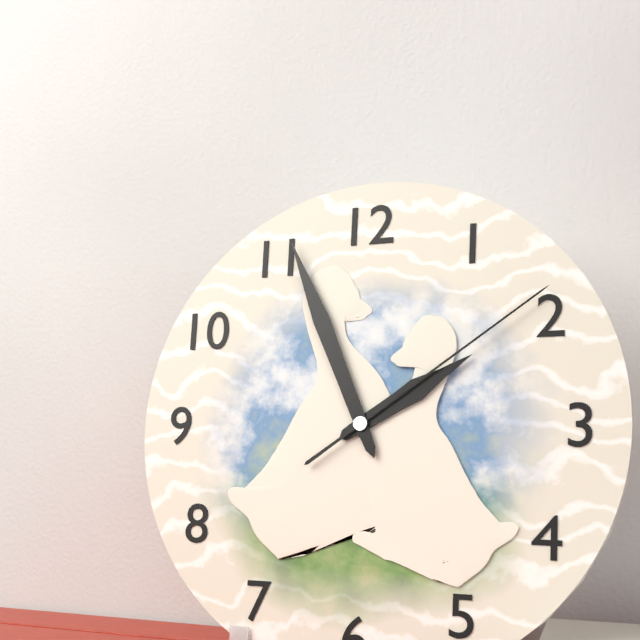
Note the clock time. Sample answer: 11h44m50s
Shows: 1h56m09s
